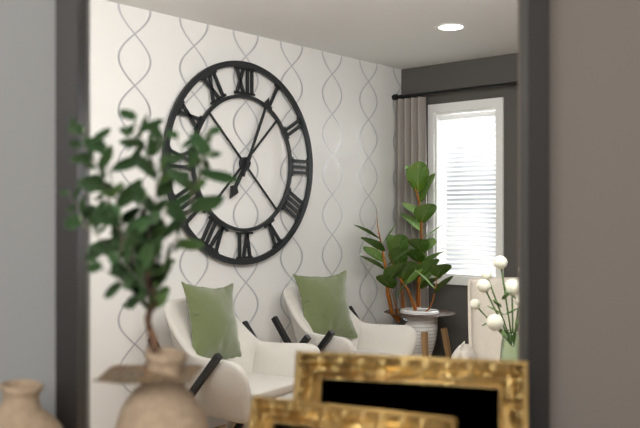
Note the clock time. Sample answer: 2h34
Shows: 7h04
